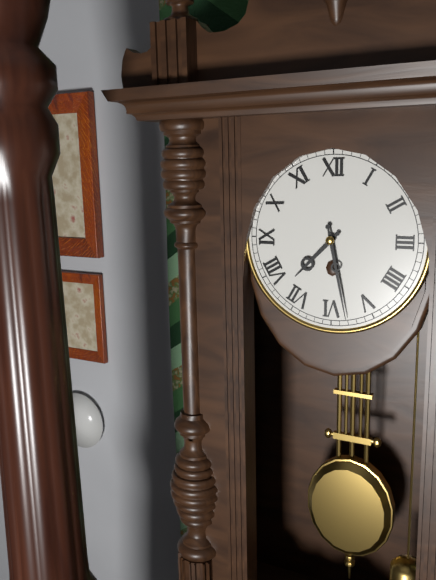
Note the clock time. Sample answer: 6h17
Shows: 7h28
